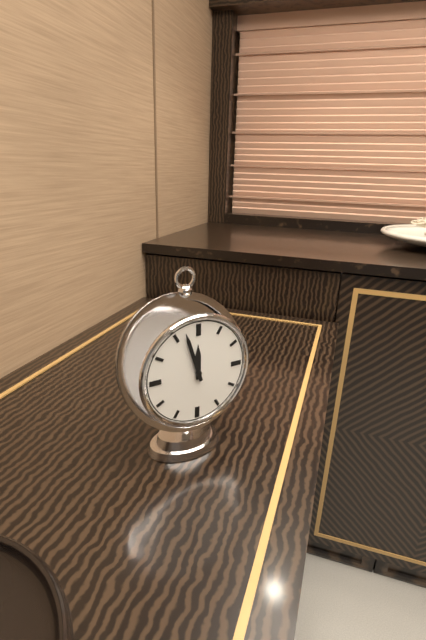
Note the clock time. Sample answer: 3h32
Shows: 11h57
